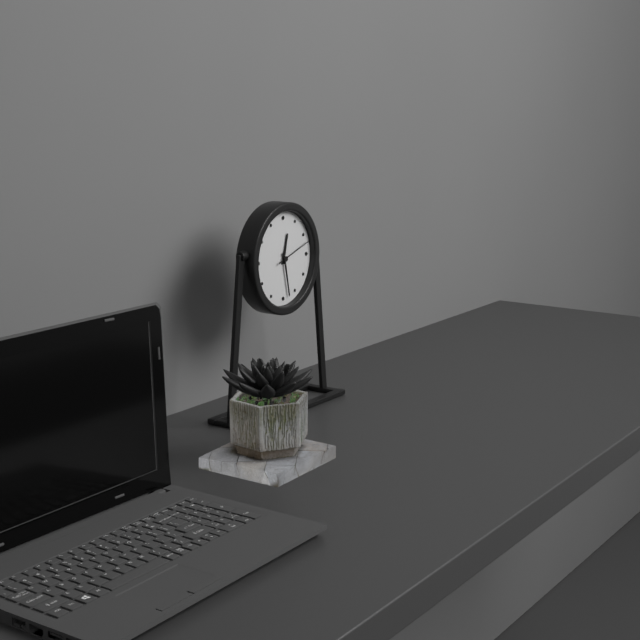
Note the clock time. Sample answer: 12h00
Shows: 12h28
